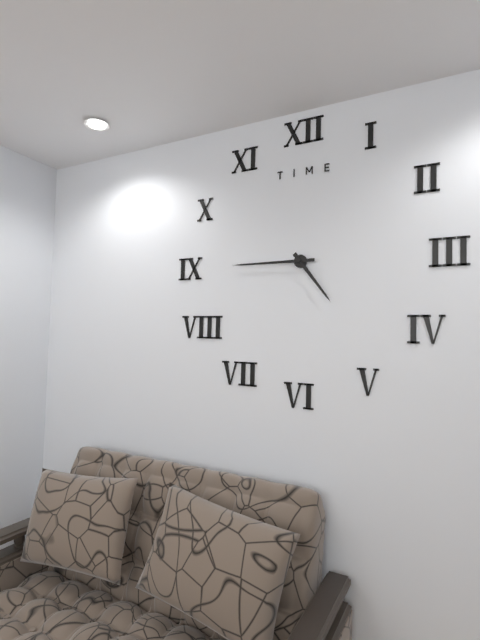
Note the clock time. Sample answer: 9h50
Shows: 4h45
